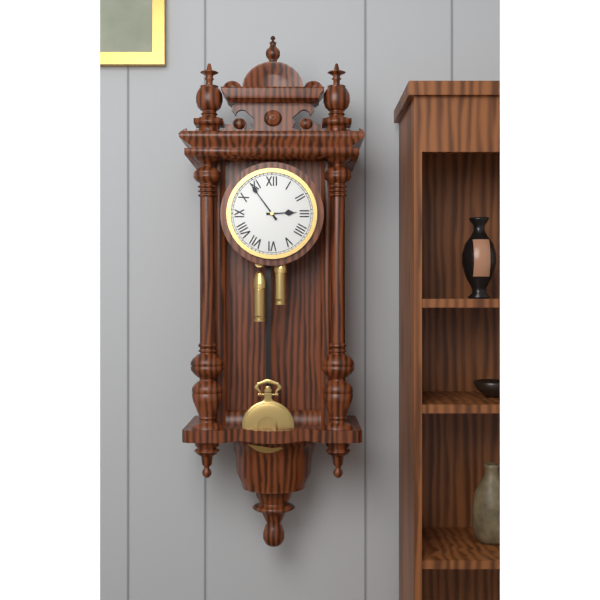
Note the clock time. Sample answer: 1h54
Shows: 2h54
